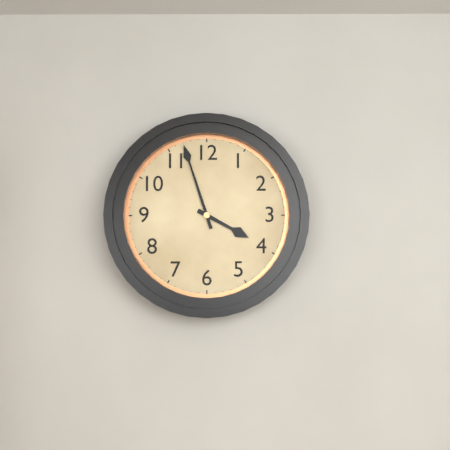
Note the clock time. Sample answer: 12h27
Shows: 3h57
